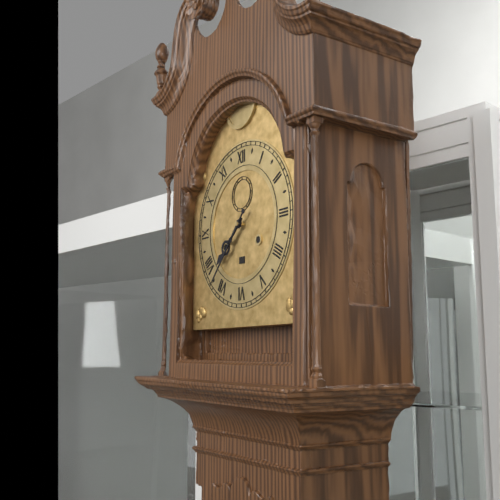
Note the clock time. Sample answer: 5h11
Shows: 7h37
